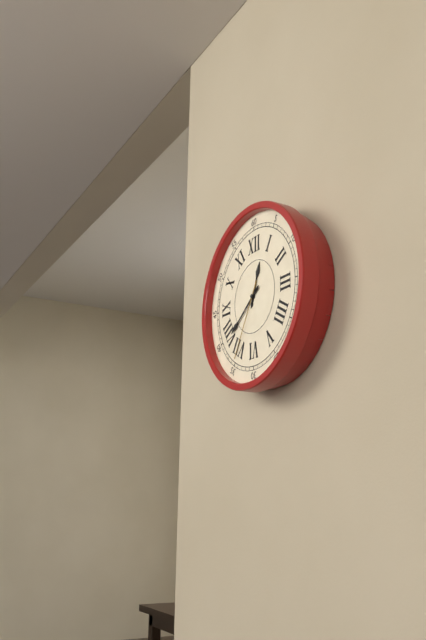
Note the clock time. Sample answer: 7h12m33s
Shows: 12h39m35s
